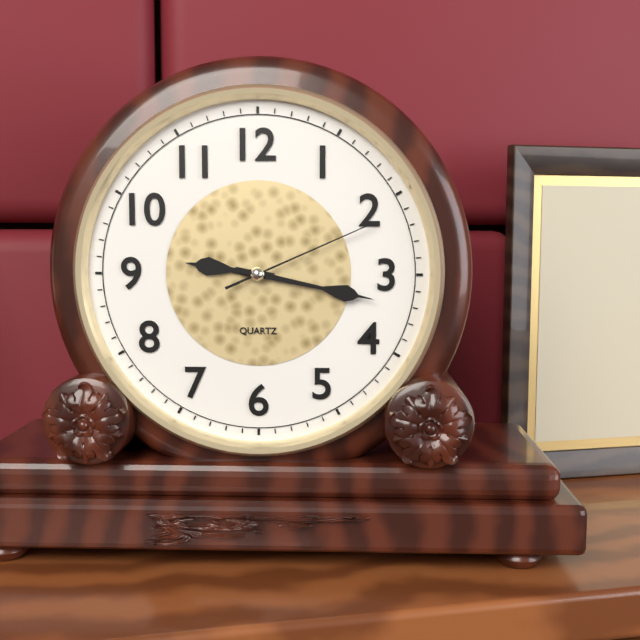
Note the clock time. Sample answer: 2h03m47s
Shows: 9h17m11s
